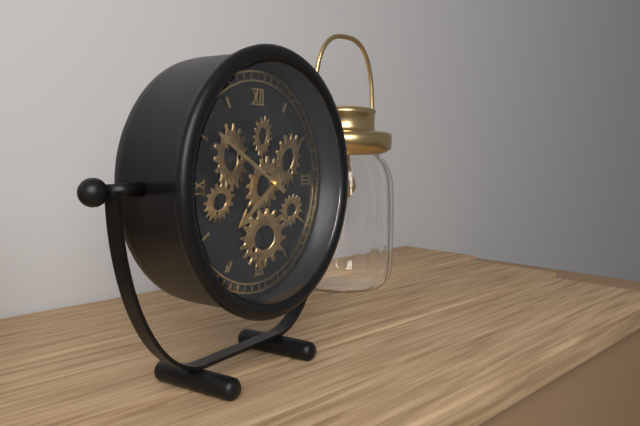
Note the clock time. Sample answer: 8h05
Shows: 7h50
